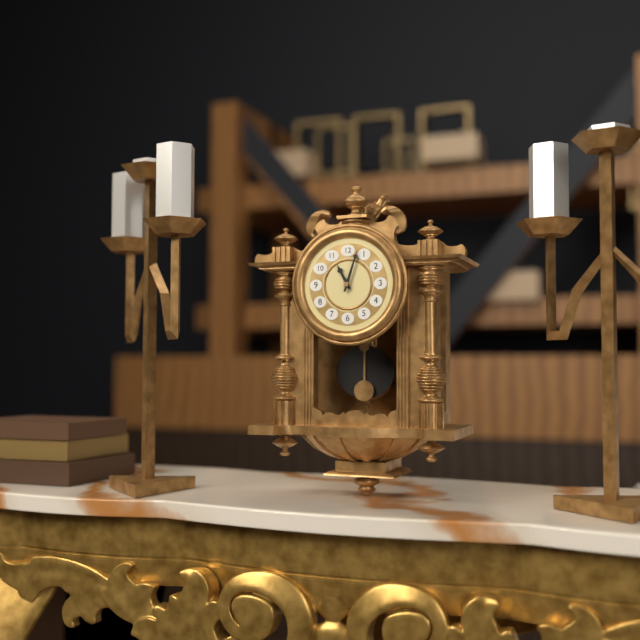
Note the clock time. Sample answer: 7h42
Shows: 11h03
